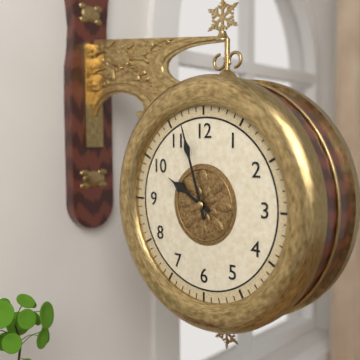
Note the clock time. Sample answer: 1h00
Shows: 9h57
